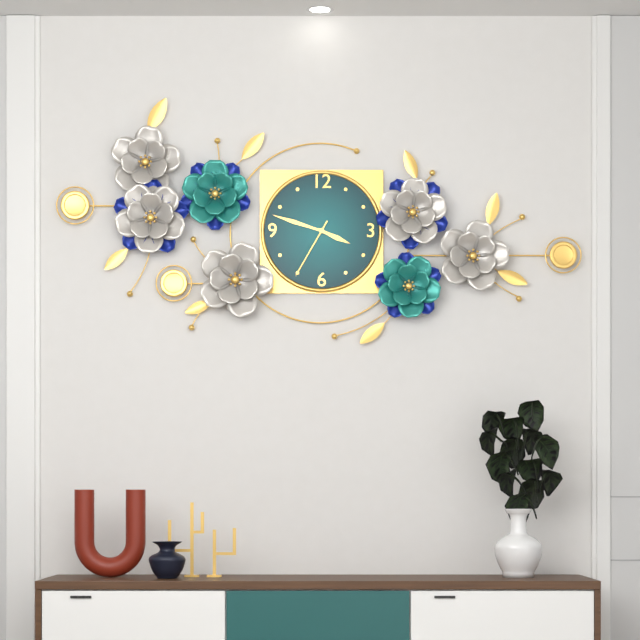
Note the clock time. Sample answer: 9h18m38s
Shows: 3h48m35s
